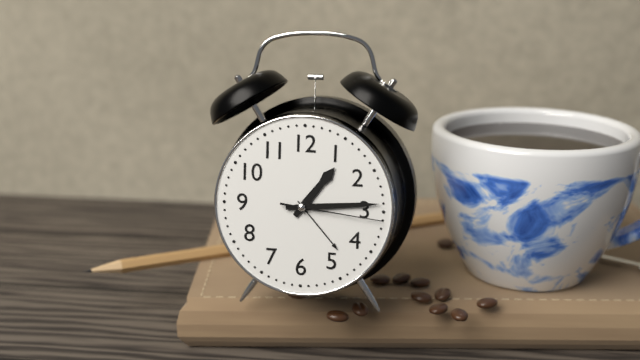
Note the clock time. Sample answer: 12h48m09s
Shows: 1h14m16s
